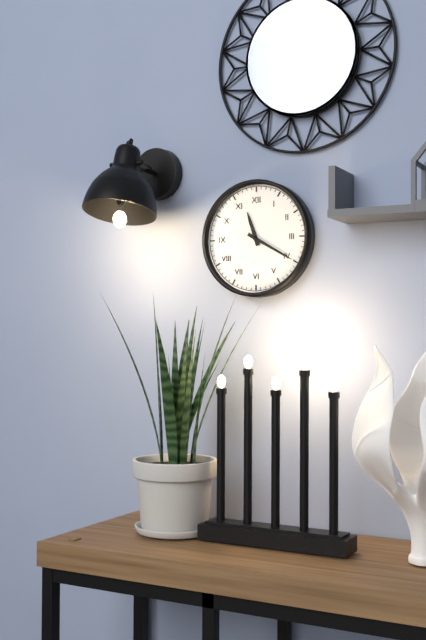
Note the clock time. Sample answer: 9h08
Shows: 11h20
